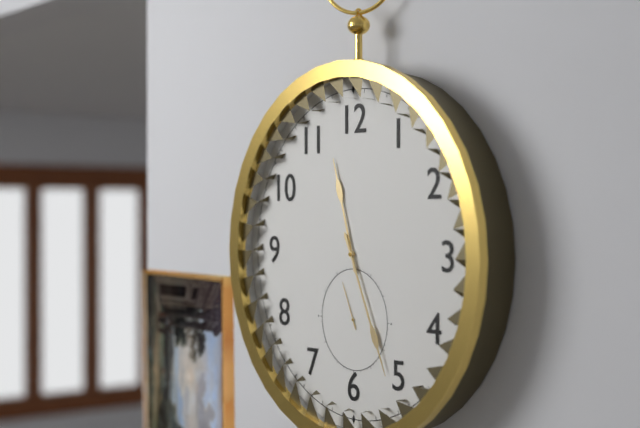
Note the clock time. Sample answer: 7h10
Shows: 11h26
